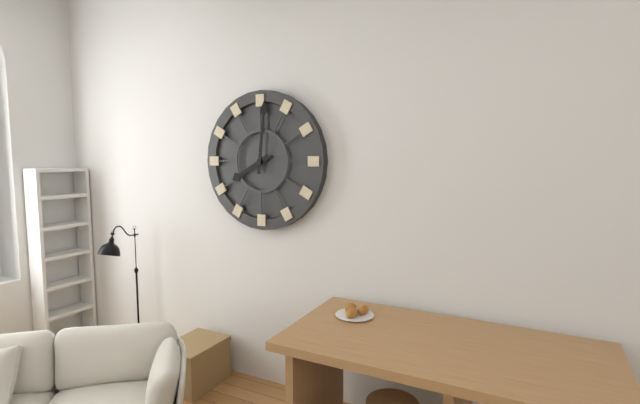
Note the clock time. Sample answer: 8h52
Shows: 8h01
